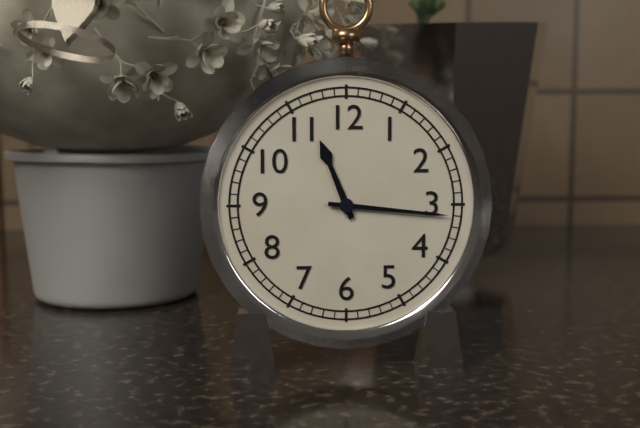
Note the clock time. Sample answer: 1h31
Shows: 11h16
